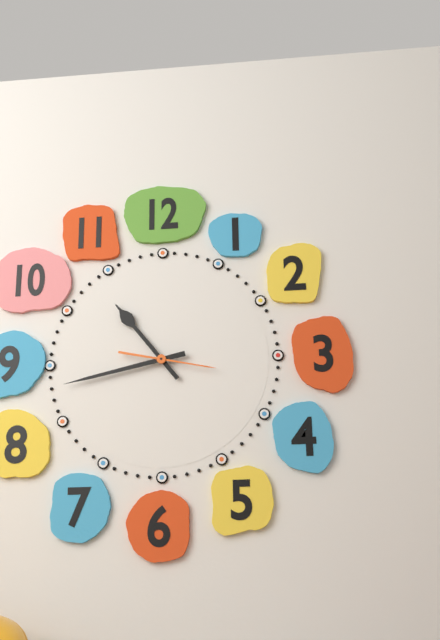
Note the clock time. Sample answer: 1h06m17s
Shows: 10h43m17s
